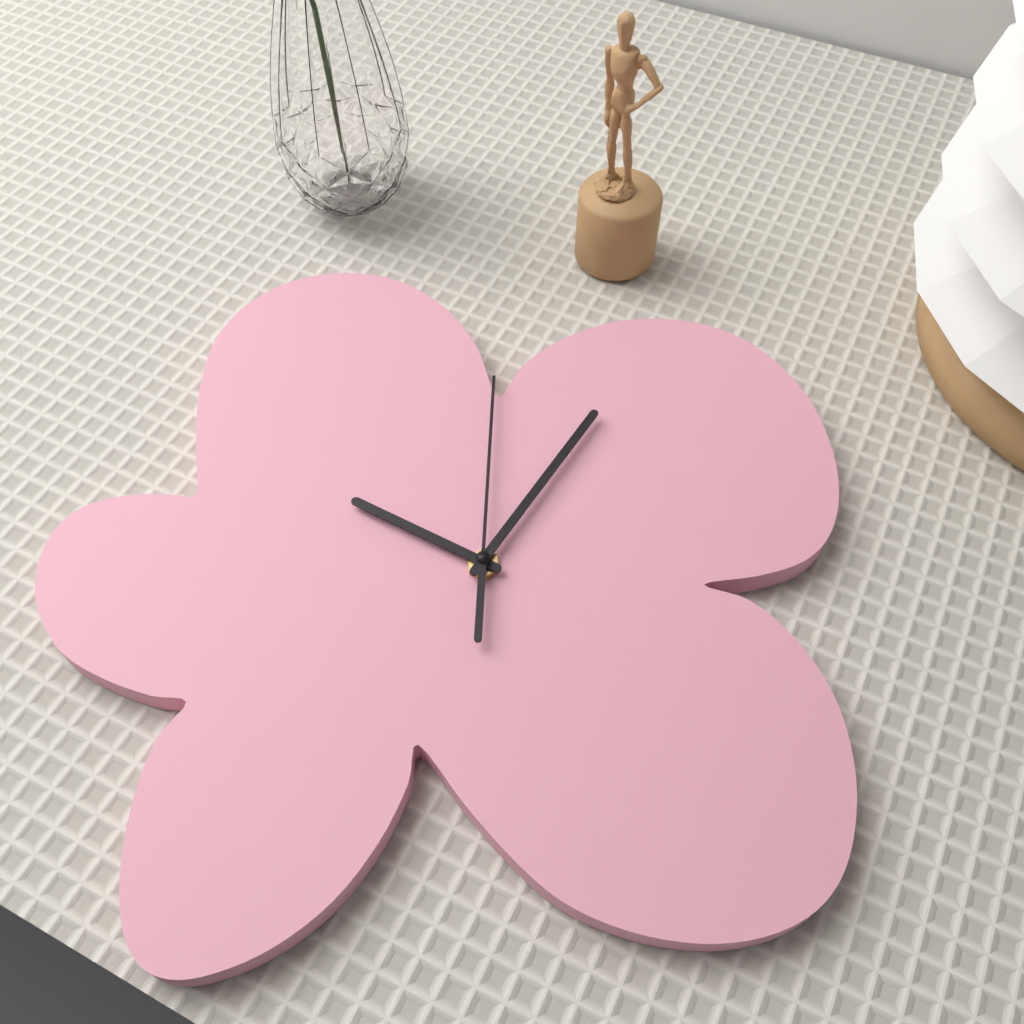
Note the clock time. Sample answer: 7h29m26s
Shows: 10h06m01s
